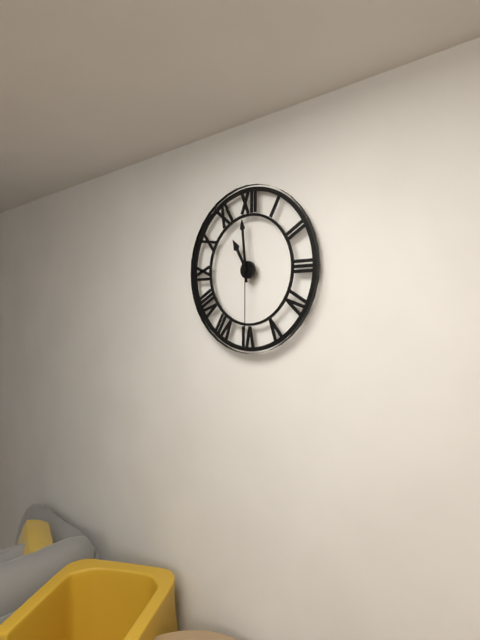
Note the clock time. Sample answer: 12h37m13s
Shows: 10h59m30s
